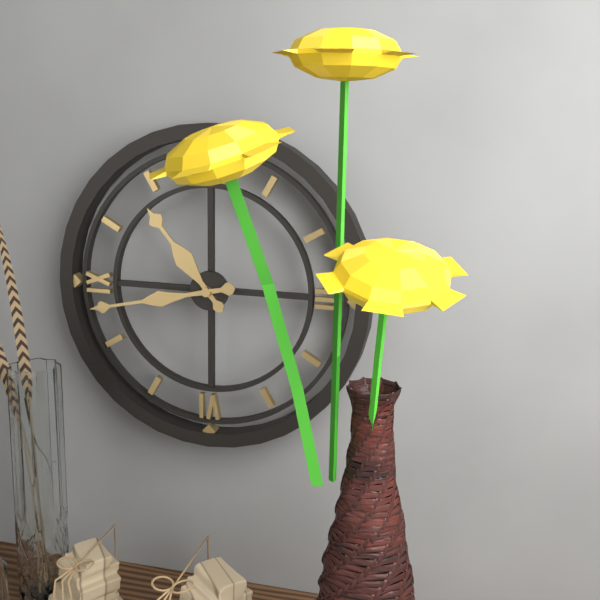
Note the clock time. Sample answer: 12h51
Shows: 10h43
